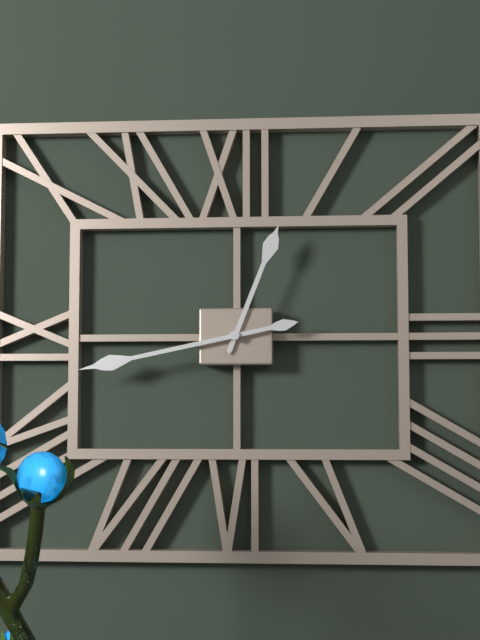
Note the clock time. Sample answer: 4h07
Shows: 12h43
